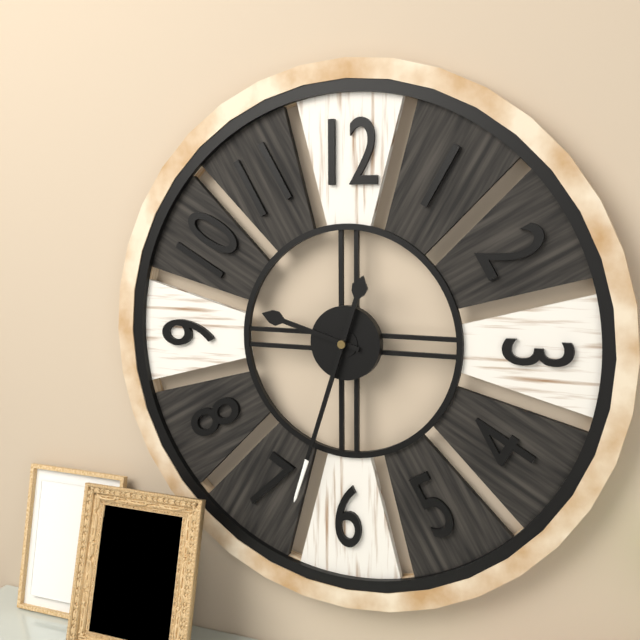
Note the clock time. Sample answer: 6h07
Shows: 9h33
